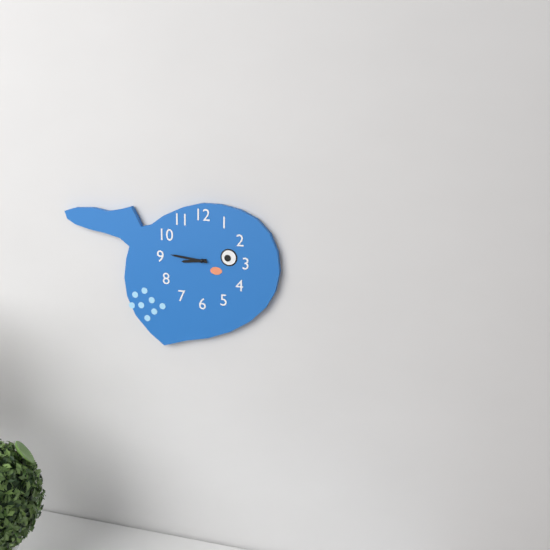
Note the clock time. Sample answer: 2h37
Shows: 8h46
